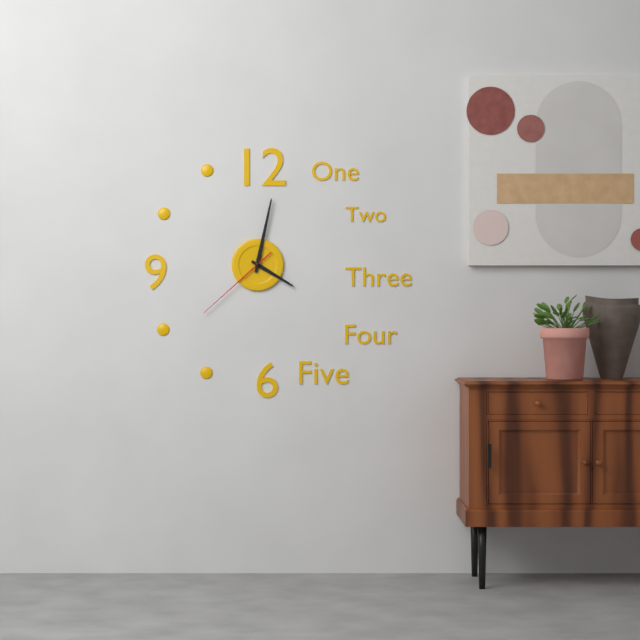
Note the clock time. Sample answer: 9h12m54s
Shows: 4h02m38s
